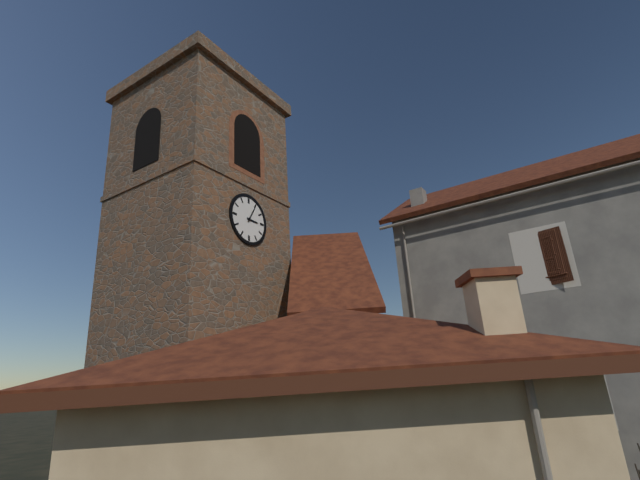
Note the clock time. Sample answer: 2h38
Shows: 3h05
